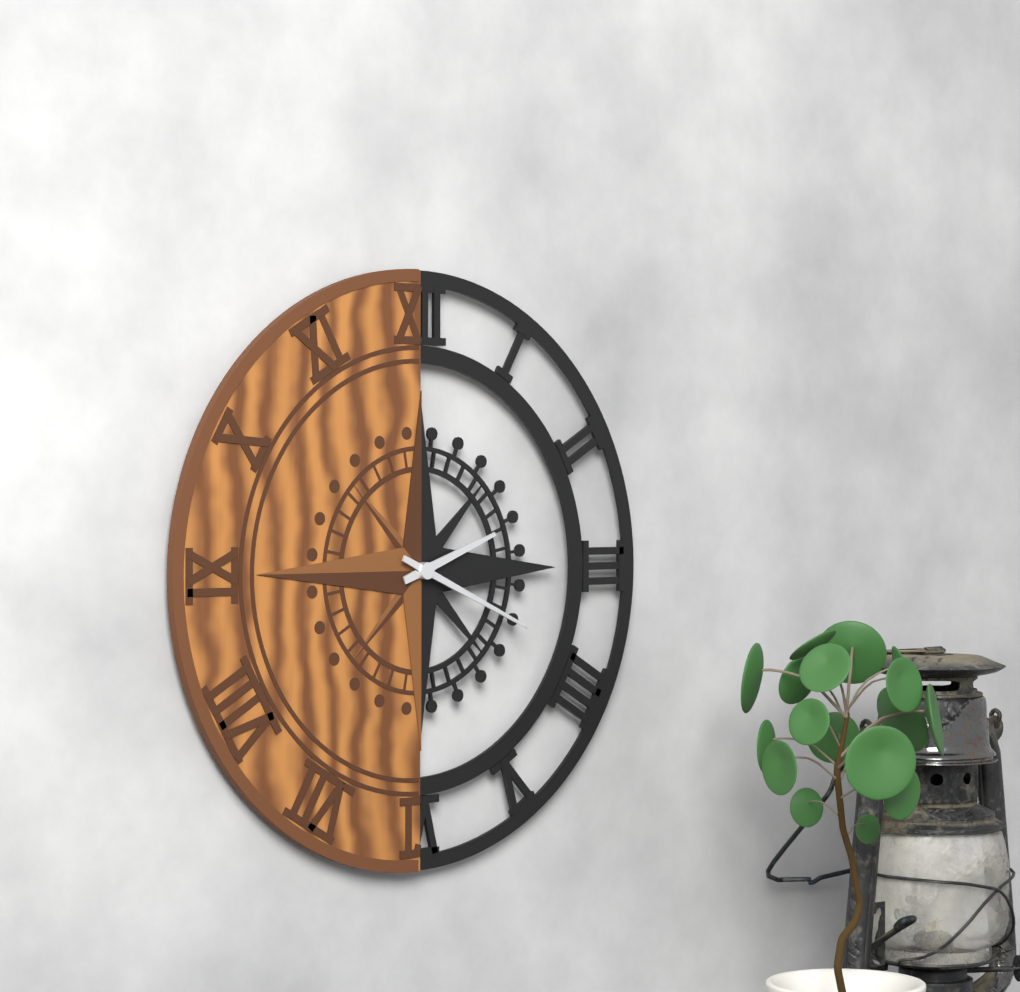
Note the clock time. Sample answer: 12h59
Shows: 2h19
